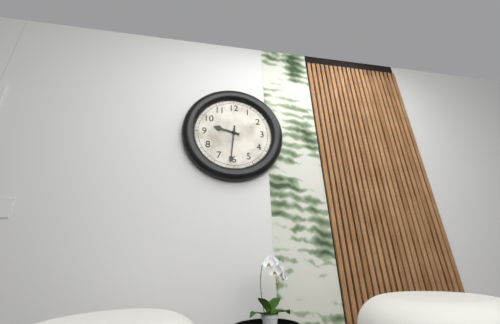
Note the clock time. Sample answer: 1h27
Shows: 9h31
